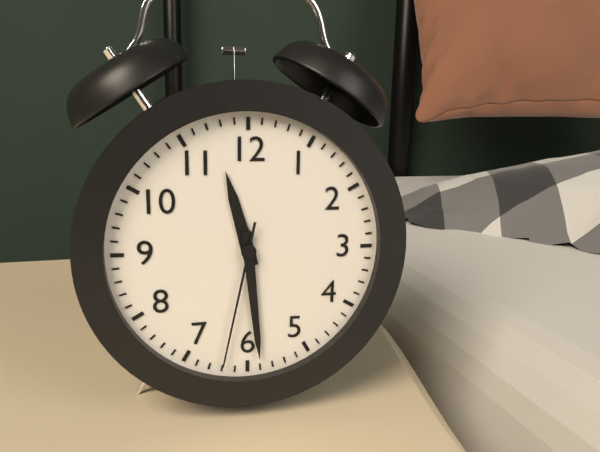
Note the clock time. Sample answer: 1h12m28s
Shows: 11h29m32s
